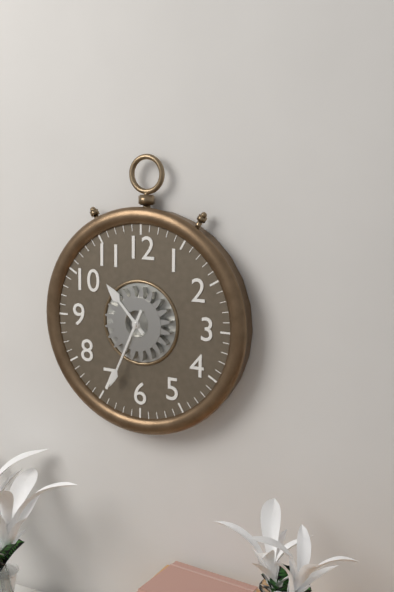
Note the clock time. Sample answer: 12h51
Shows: 10h34
